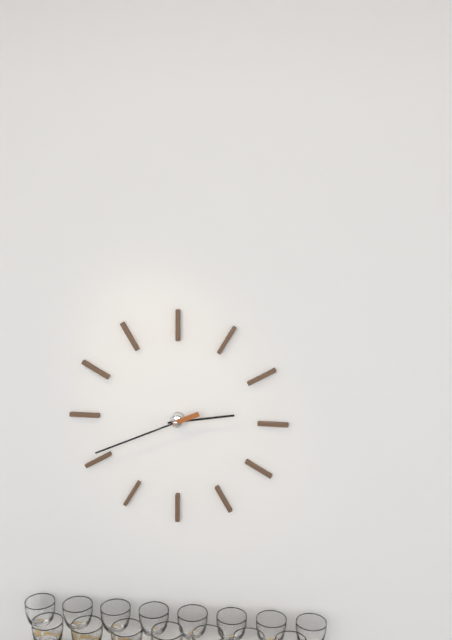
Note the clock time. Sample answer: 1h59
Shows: 2h41
